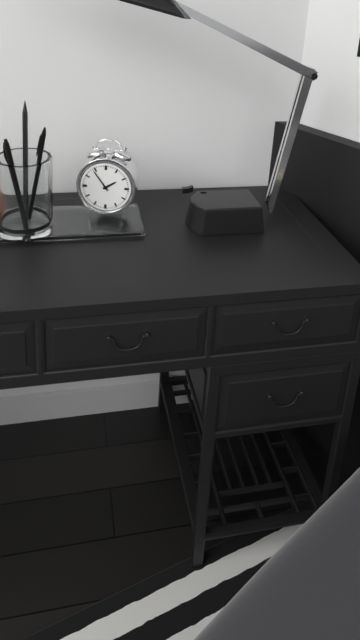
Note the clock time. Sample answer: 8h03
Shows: 1h54
